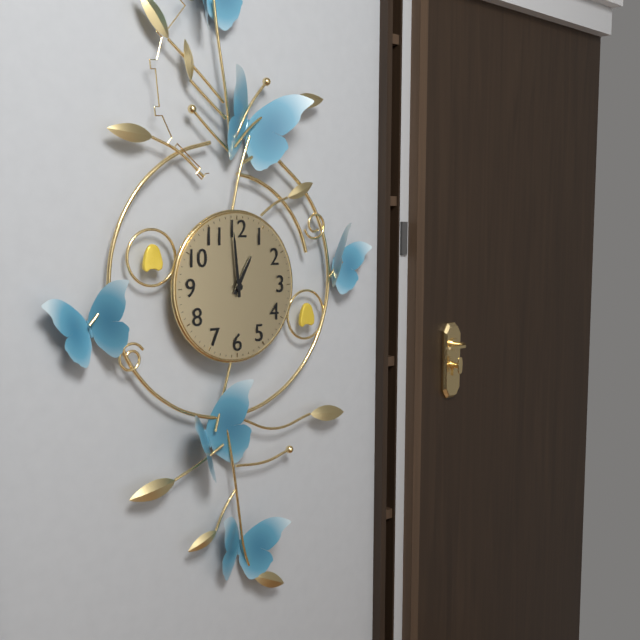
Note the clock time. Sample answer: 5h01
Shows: 12h59
